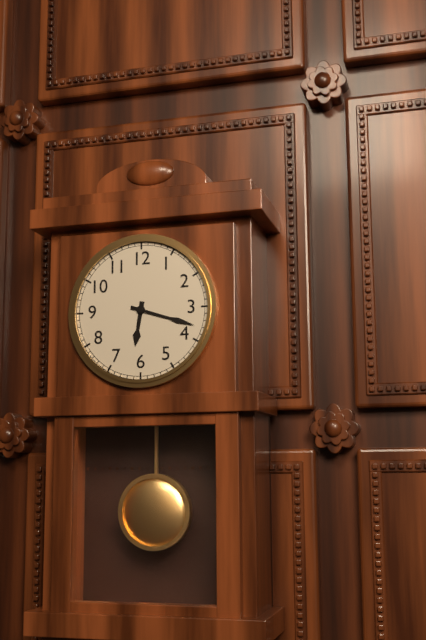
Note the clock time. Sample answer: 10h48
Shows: 6h18
